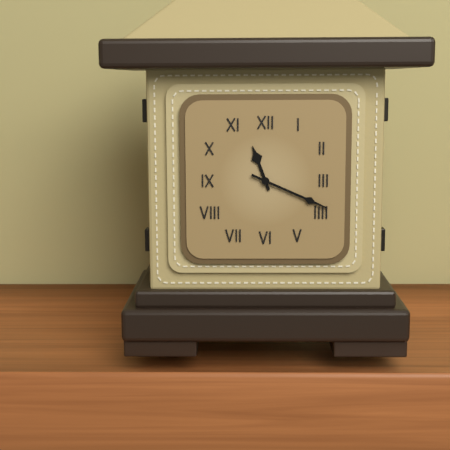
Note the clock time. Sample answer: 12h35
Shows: 11h19
